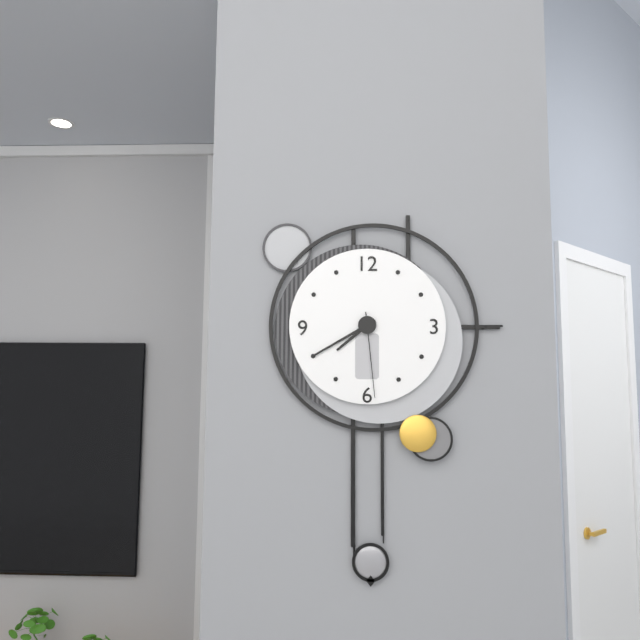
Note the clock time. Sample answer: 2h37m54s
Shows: 7h40m29s
